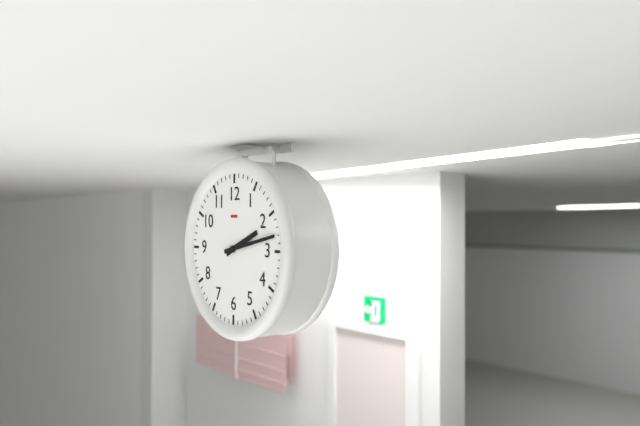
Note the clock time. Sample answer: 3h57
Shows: 2h13
